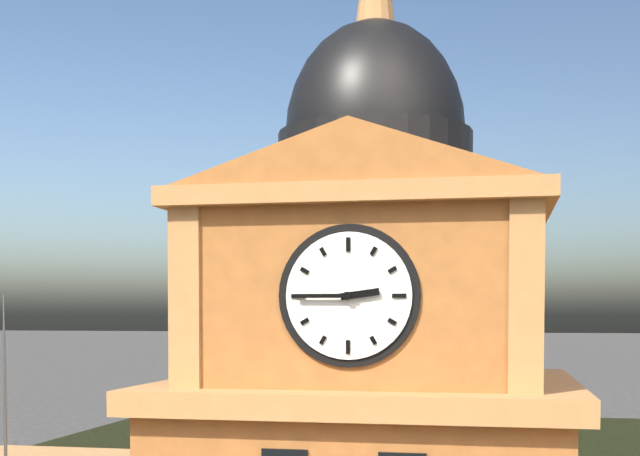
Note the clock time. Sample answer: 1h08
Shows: 2h45
